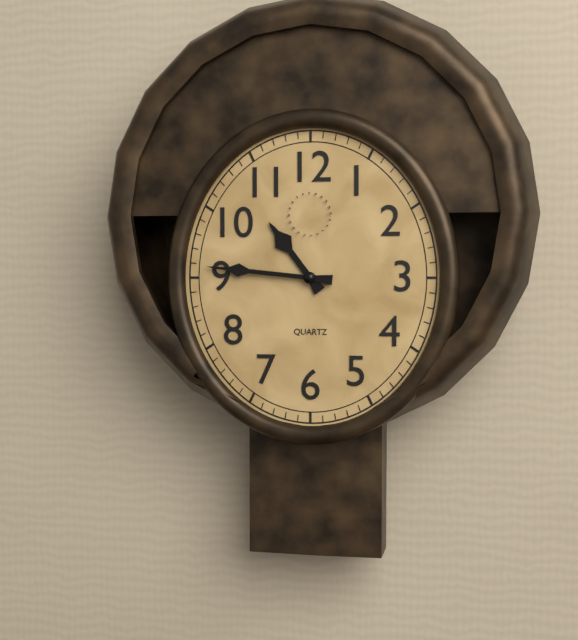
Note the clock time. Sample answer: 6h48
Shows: 10h46
